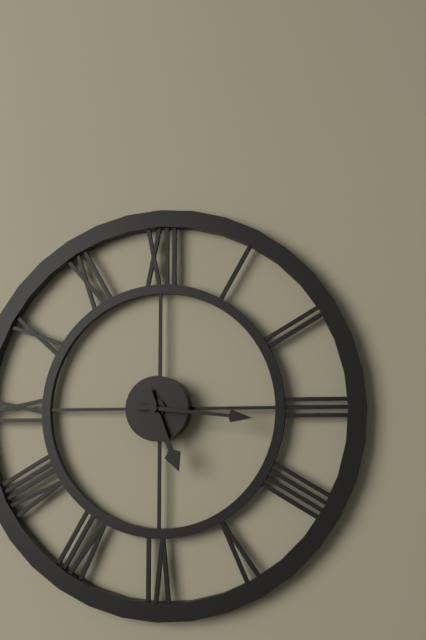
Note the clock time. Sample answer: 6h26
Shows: 5h16
